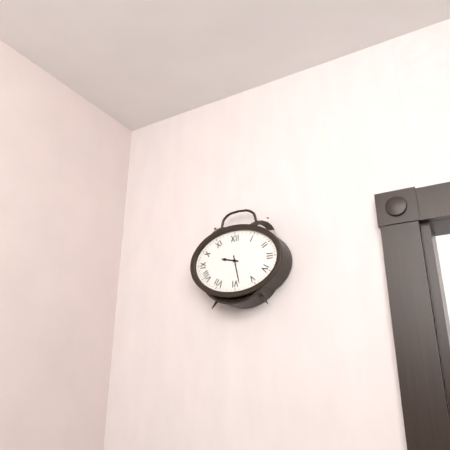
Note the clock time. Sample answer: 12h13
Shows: 9h28
